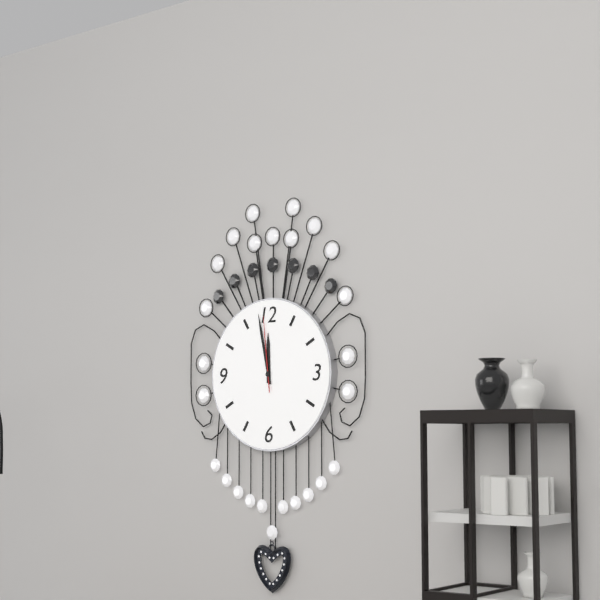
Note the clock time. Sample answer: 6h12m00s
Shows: 11h58m59s
